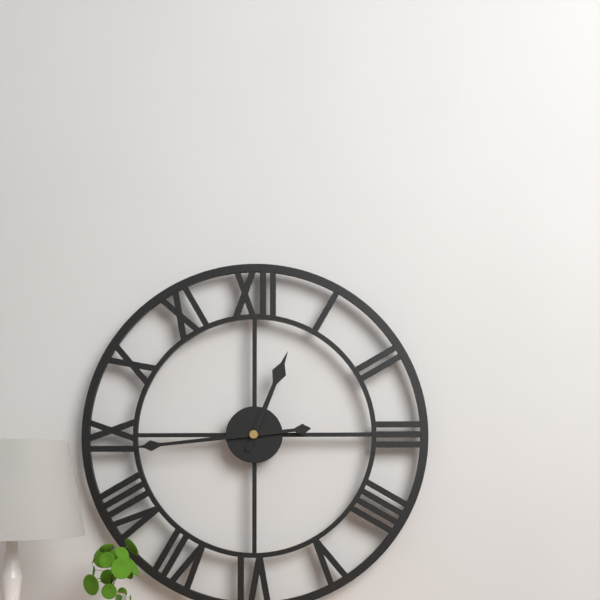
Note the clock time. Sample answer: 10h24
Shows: 12h44
